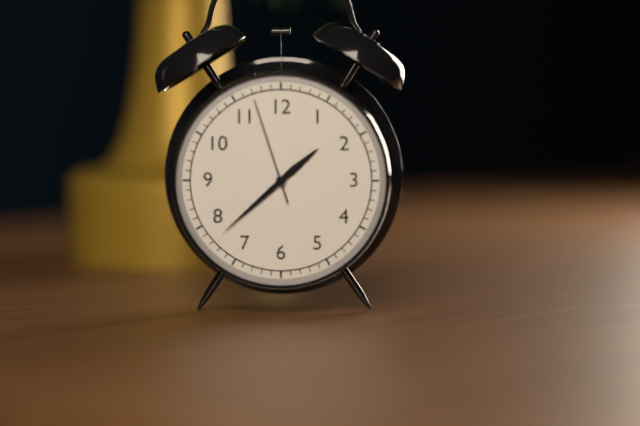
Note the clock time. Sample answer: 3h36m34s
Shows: 1h38m57s
